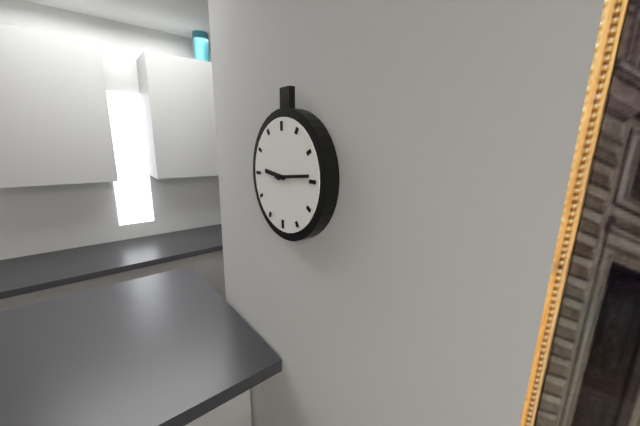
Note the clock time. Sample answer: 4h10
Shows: 9h14
